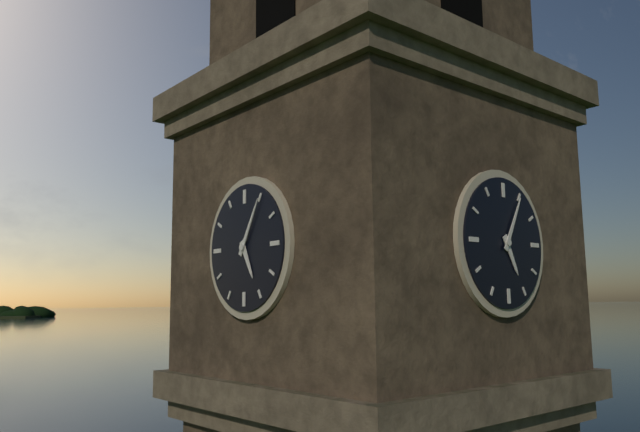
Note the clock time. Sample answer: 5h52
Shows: 5h05
